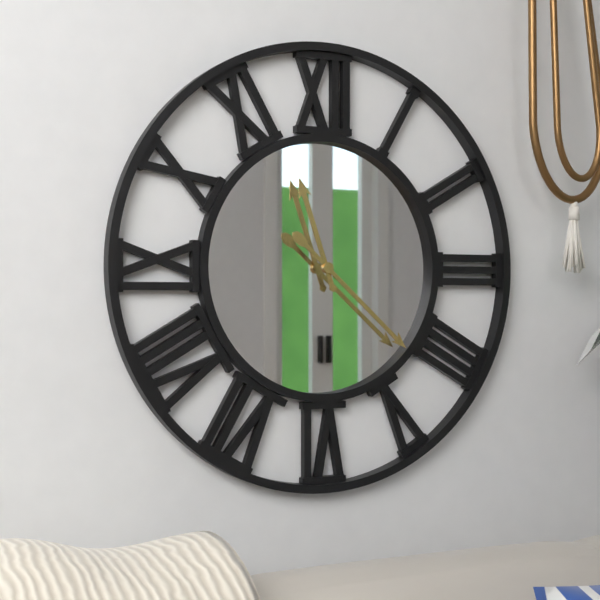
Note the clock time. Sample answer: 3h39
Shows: 11h22
